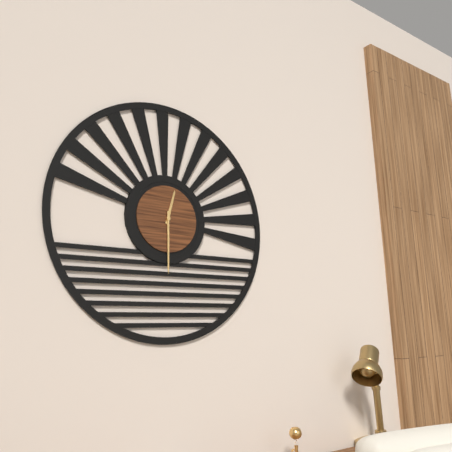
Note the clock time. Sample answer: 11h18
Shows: 12h30
